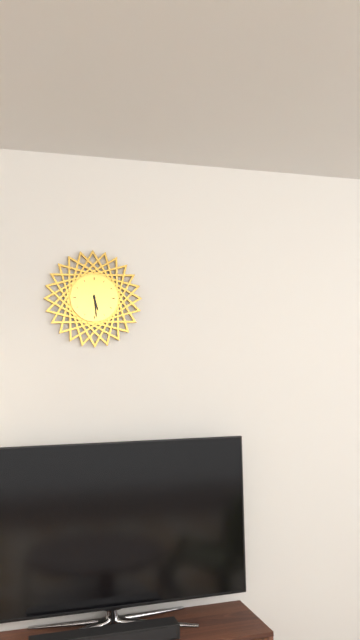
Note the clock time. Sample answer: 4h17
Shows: 5h29
